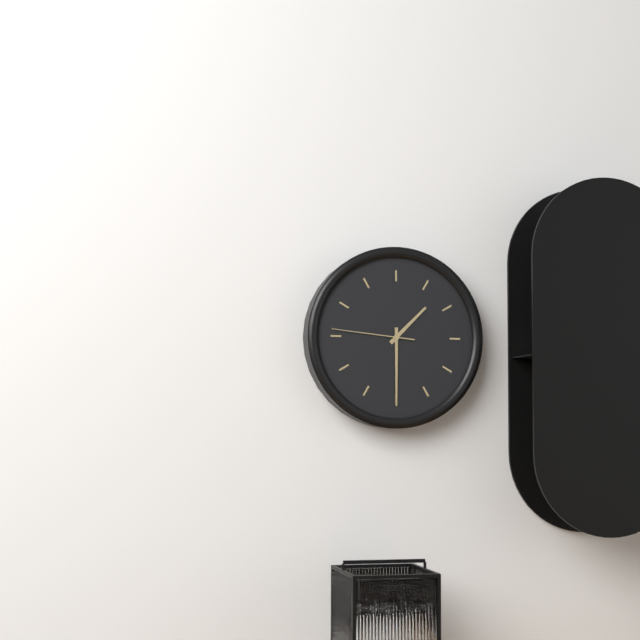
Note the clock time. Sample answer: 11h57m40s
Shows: 1h30m46s
